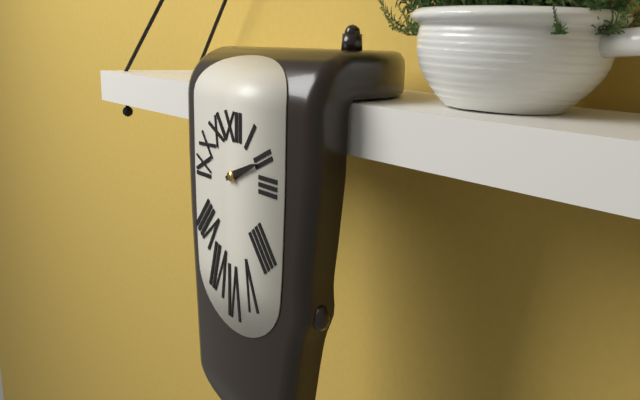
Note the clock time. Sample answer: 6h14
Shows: 2h11
